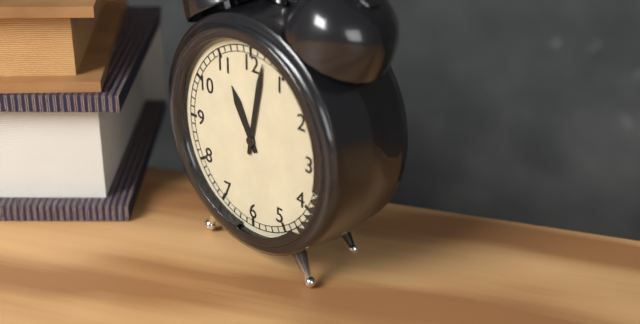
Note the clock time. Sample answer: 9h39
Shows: 11h02
